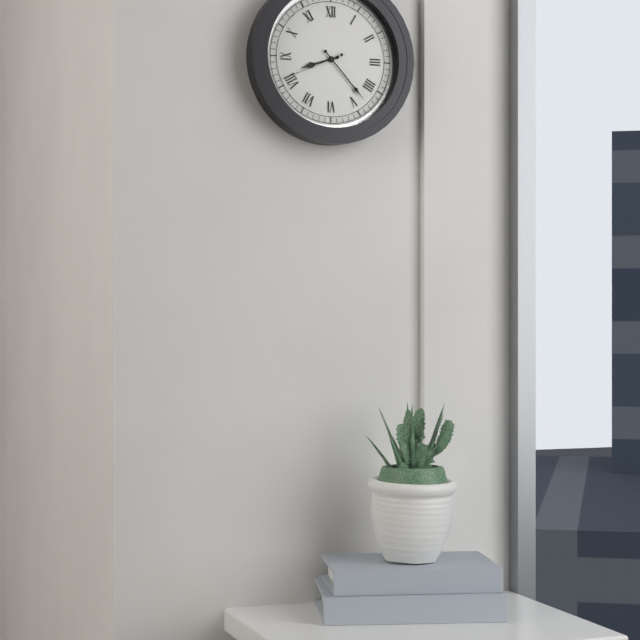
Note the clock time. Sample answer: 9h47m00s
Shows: 8h23m41s
